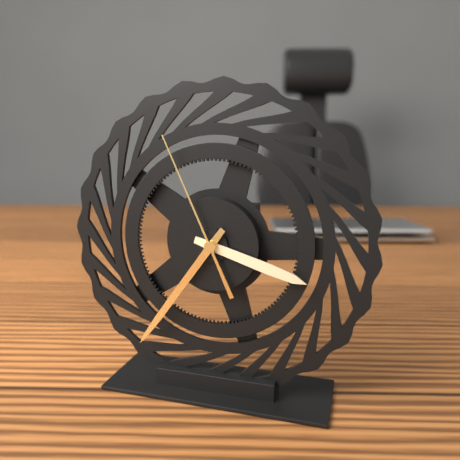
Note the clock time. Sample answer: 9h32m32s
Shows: 3h36m56s
